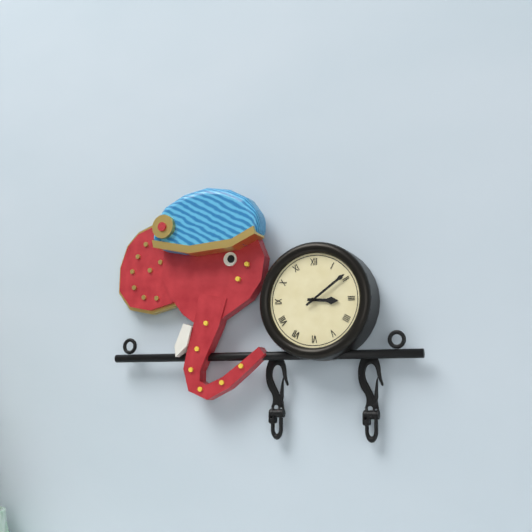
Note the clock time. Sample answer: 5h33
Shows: 3h09
